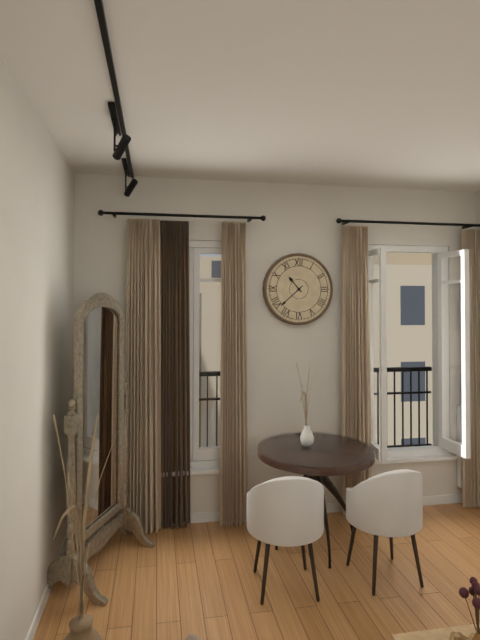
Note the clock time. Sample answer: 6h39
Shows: 10h38
